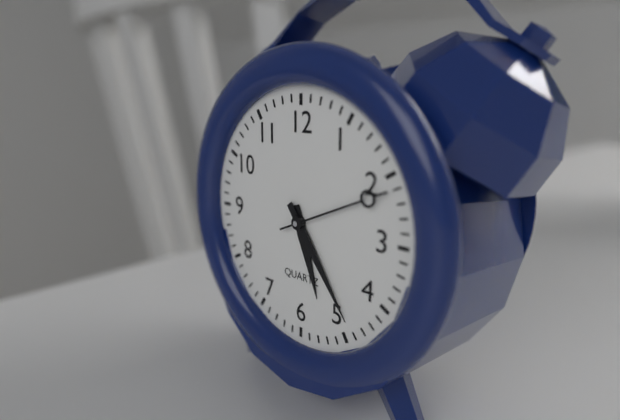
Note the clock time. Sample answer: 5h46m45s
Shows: 5h24m11s
